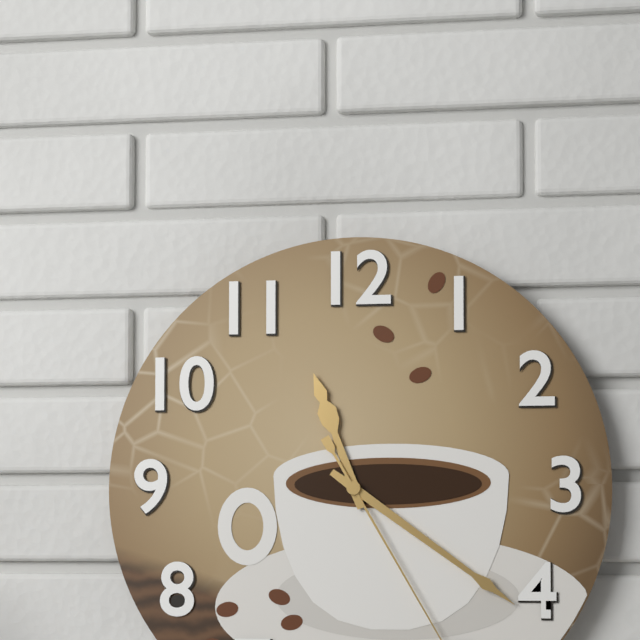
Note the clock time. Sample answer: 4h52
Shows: 11h21
